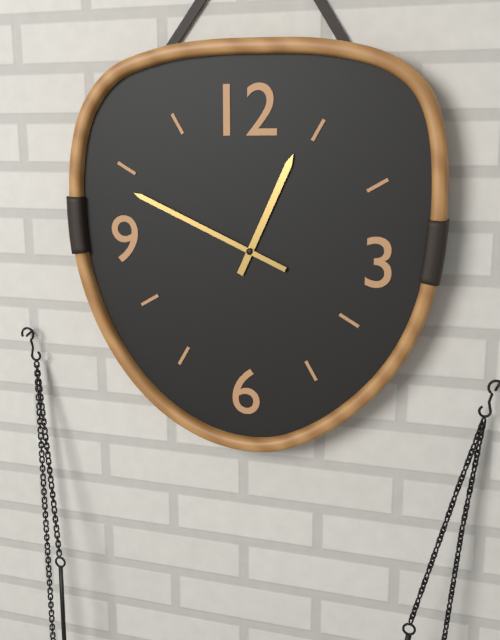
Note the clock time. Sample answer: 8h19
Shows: 12h49
